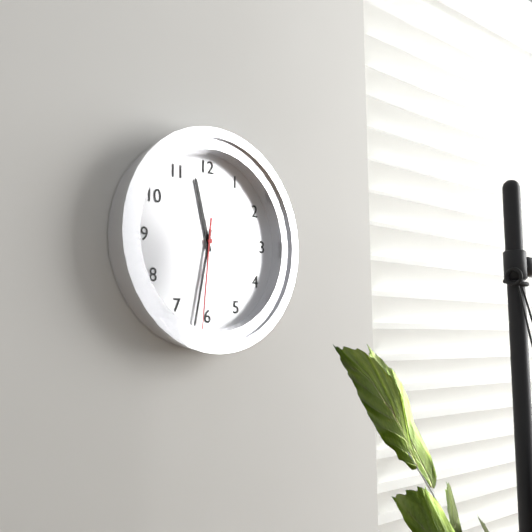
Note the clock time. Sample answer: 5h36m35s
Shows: 11h32m31s
